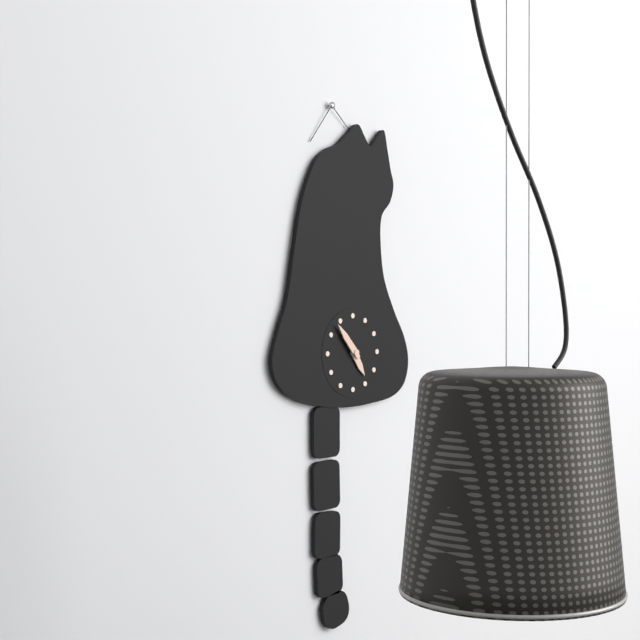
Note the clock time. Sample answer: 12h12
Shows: 4h53
